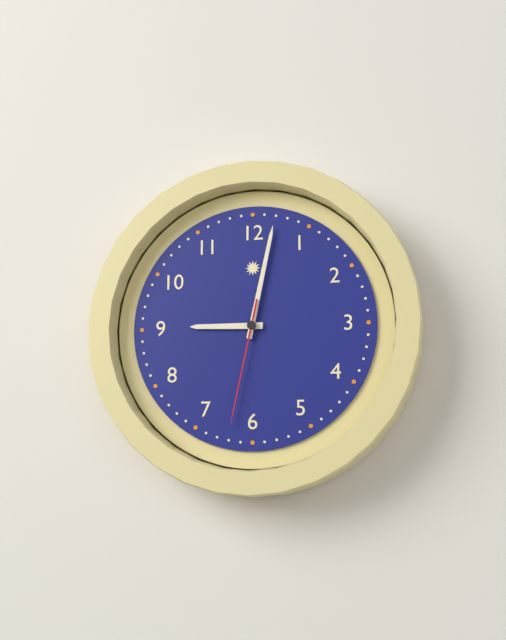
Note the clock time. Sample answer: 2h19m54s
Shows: 9h02m32s
